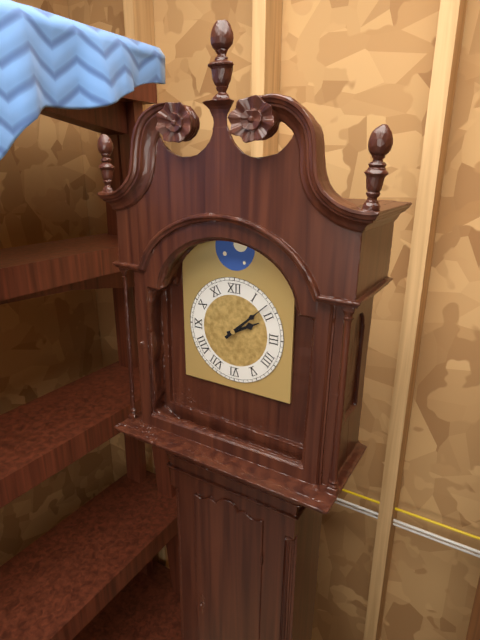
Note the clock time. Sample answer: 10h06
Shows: 2h08
